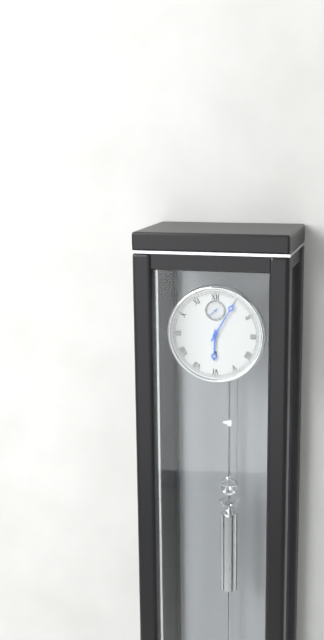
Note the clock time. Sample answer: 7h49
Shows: 6h05
